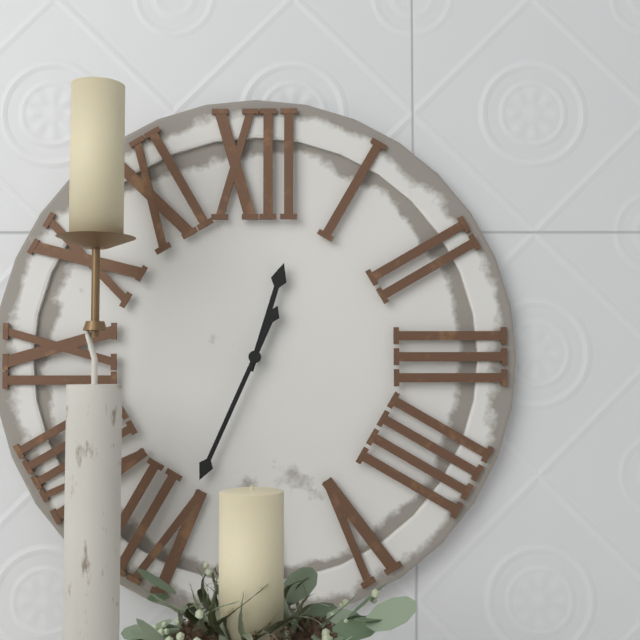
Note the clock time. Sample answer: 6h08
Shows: 12h34
